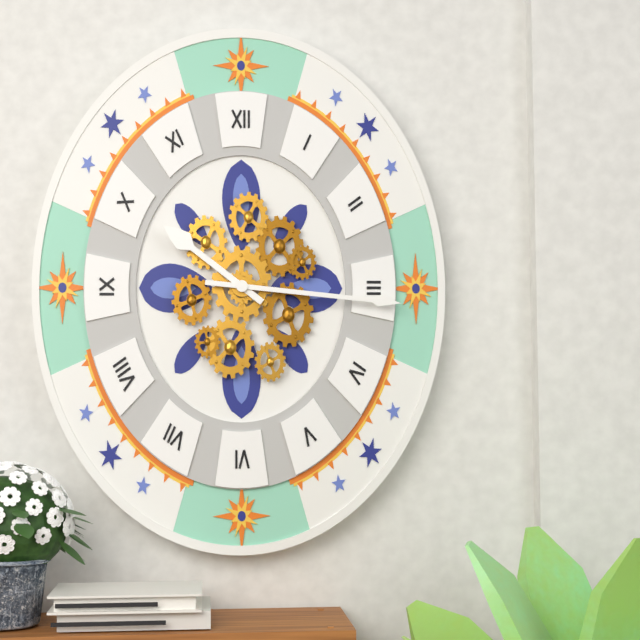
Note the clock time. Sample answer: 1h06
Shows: 10h16
